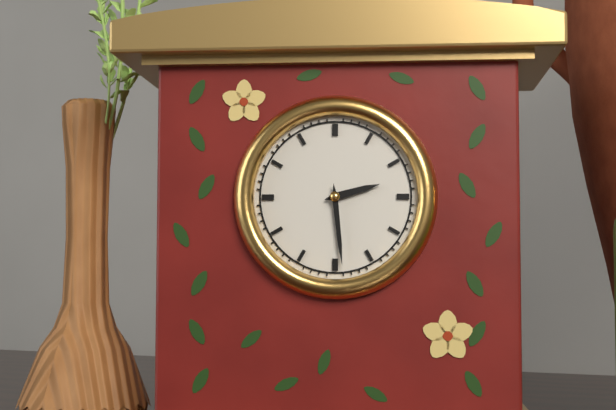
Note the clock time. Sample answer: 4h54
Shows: 2h29
